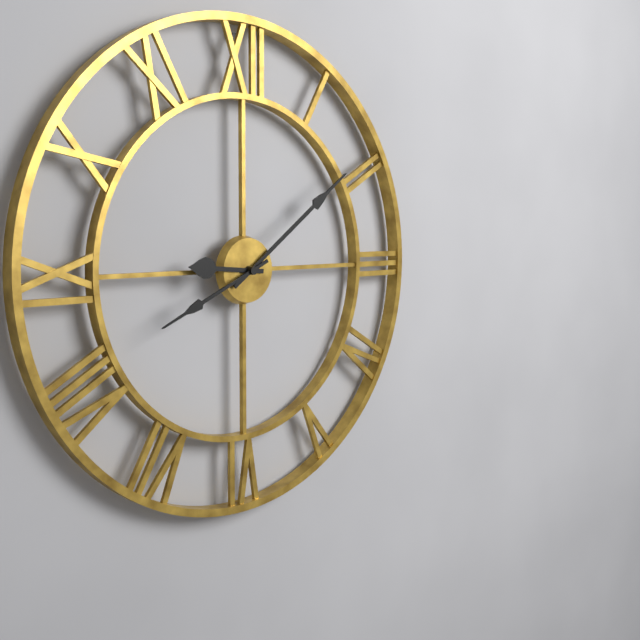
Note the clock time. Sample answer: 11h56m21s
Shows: 9h09m41s
